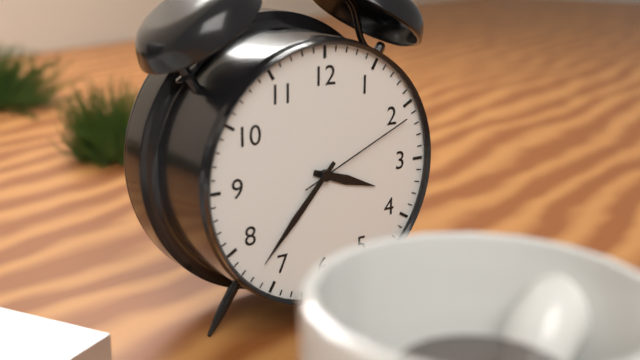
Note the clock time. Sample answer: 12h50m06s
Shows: 3h37m11s
